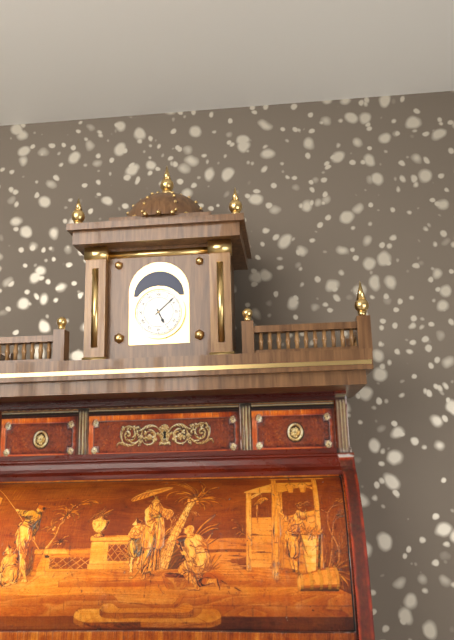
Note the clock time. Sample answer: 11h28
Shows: 5h08
